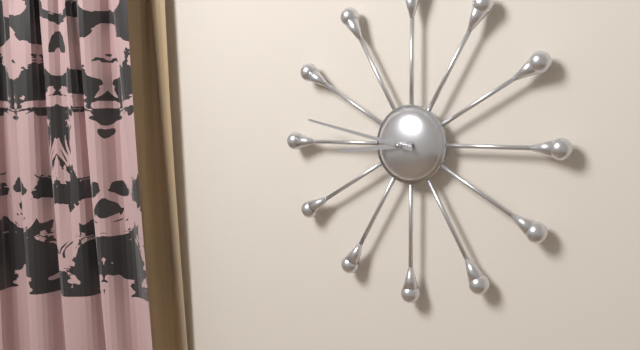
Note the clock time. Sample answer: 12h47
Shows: 8h47
